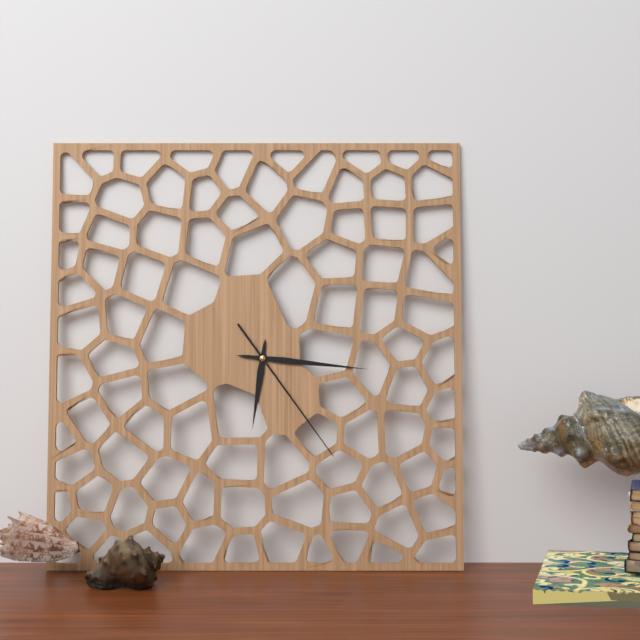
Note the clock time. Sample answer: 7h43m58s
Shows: 6h16m24s
